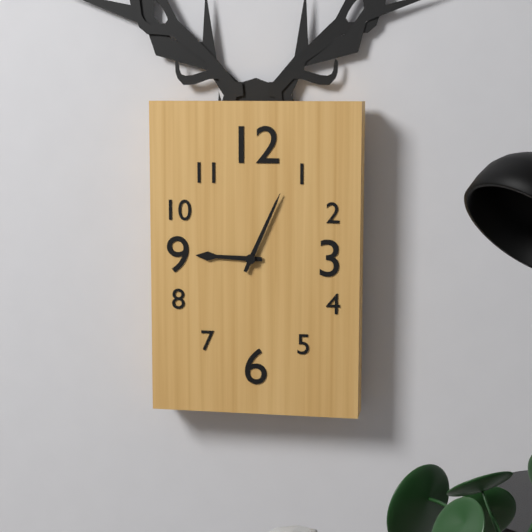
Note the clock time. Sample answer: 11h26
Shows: 9h04
